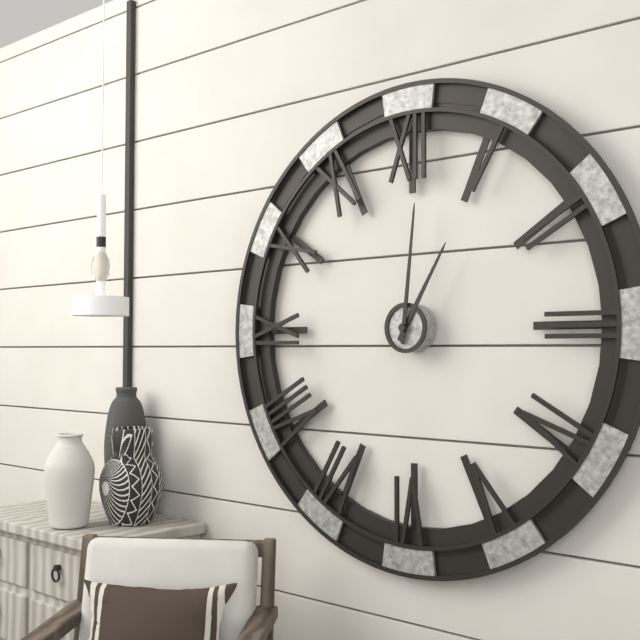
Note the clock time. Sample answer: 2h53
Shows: 1h01
